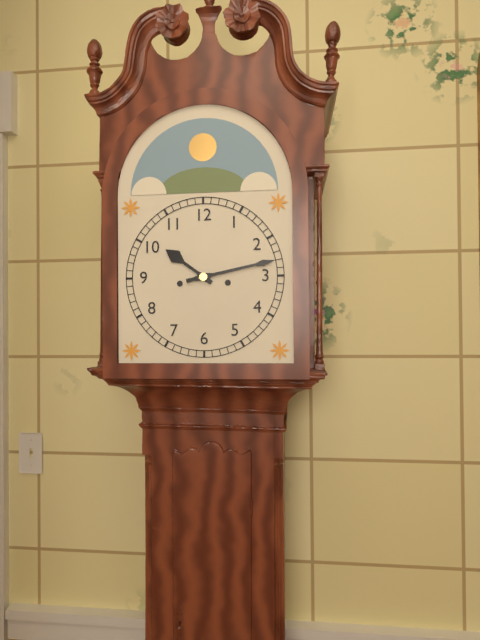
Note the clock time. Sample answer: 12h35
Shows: 10h13
